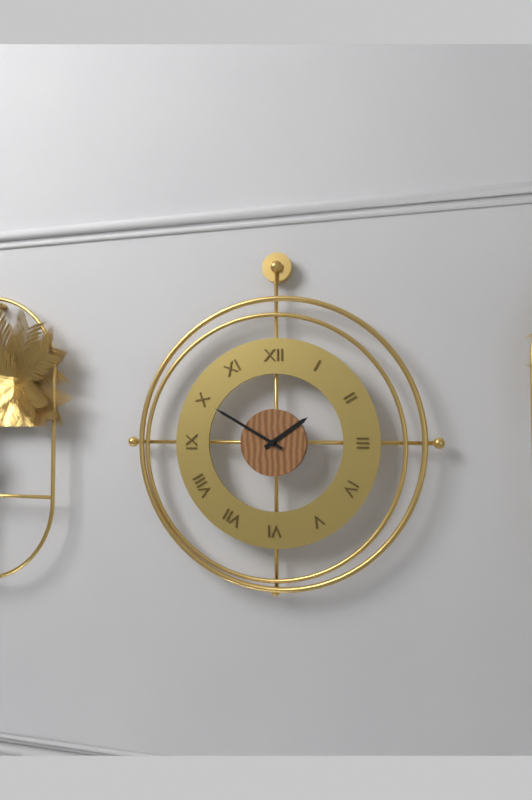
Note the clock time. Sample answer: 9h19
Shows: 1h50
